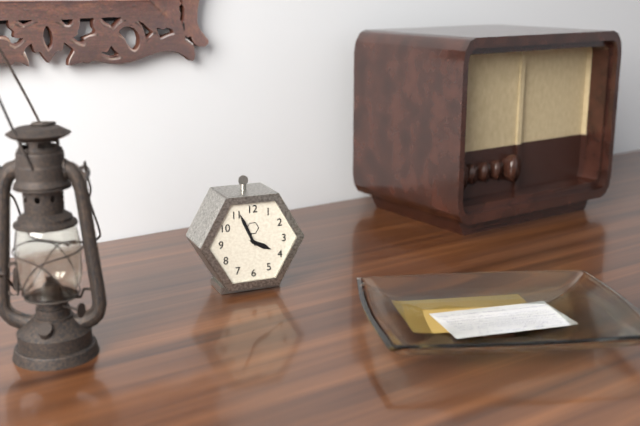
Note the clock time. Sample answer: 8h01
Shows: 3h56
